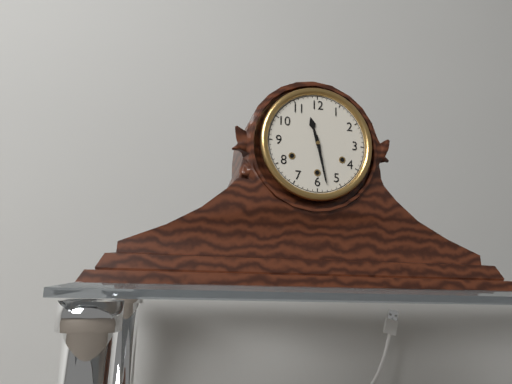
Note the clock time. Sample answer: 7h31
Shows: 11h28
